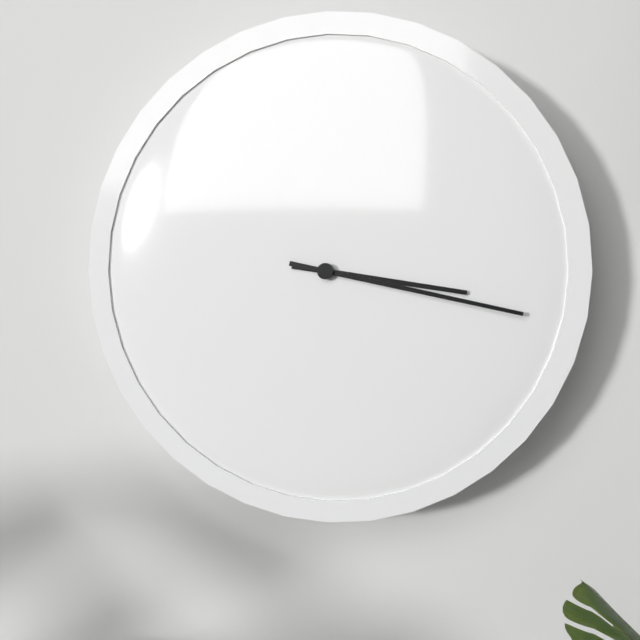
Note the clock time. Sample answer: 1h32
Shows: 3h17
